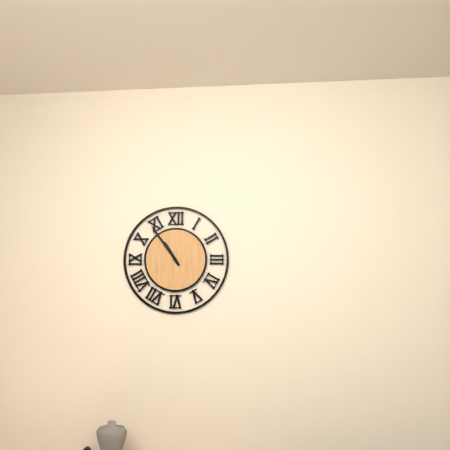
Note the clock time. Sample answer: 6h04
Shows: 10h54
